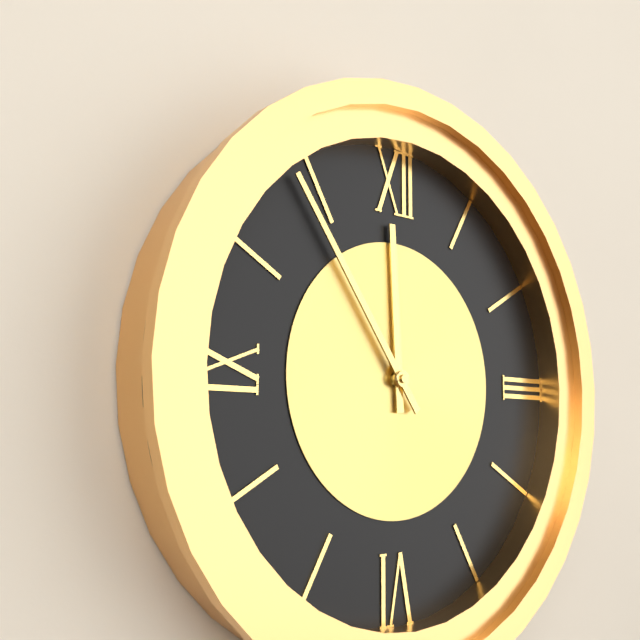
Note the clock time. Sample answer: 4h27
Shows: 11h54
